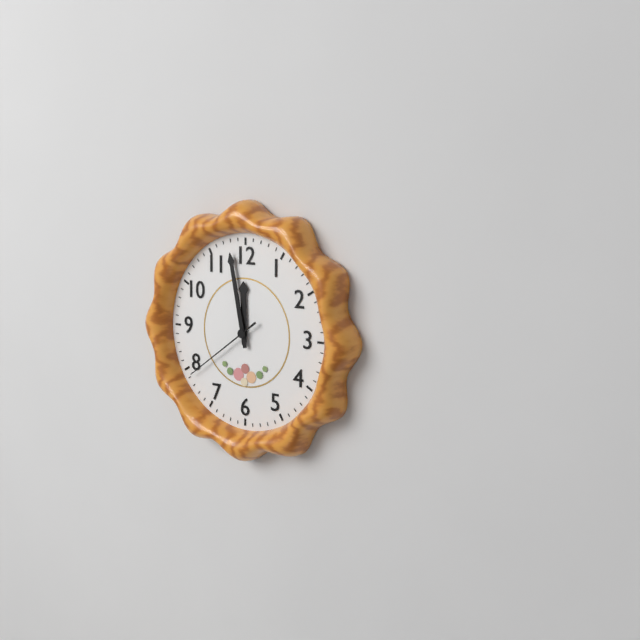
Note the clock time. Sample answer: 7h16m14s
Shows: 11h58m39s
